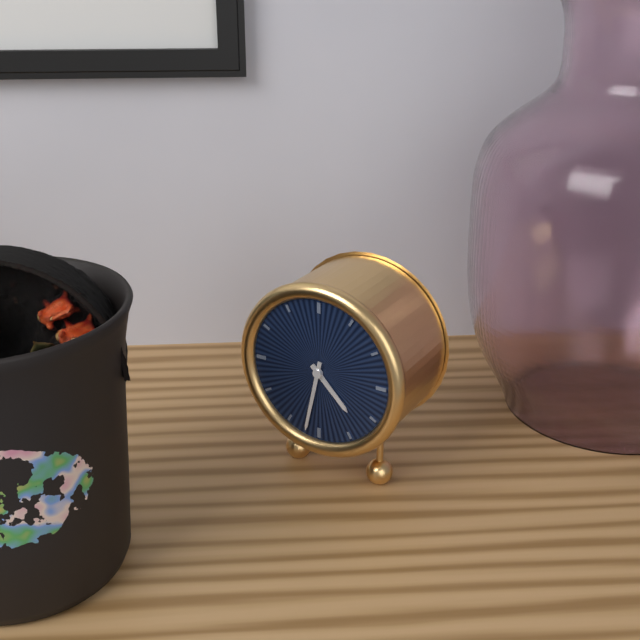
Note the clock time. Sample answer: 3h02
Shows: 4h32
